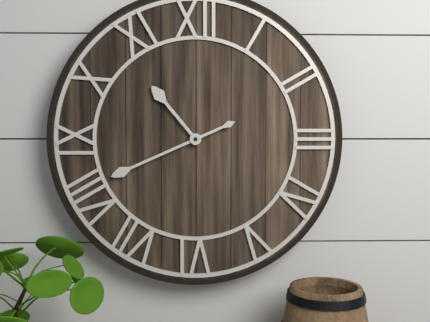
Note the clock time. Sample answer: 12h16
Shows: 10h41
